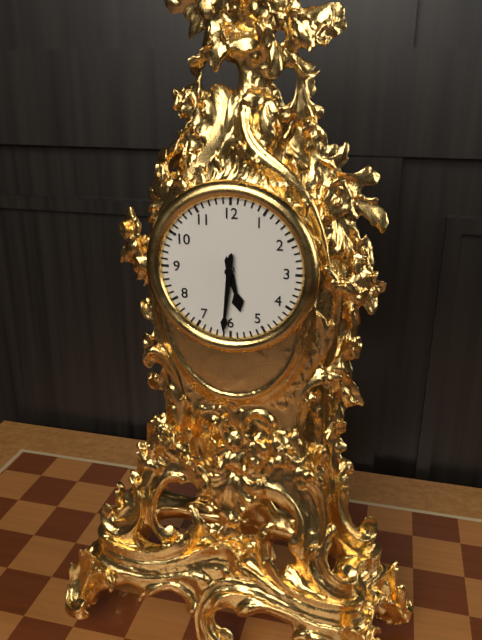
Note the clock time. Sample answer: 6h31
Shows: 5h31
